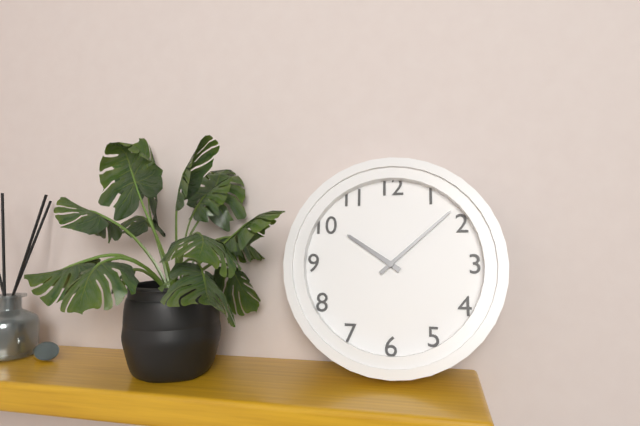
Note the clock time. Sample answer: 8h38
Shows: 10h08
